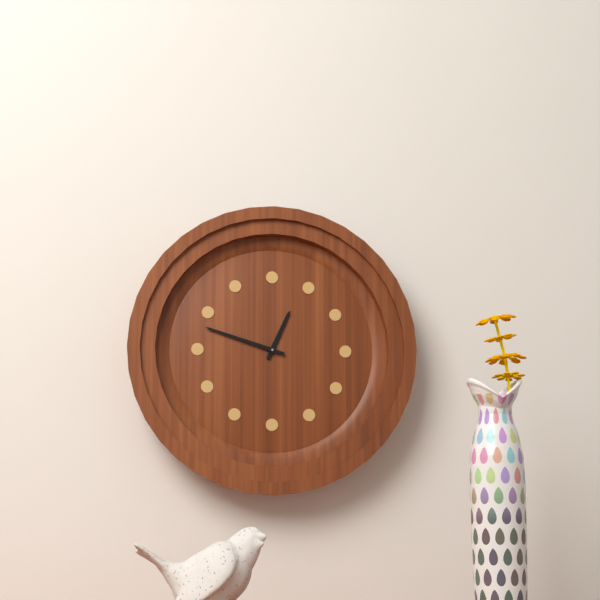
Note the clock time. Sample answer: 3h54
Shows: 12h48
